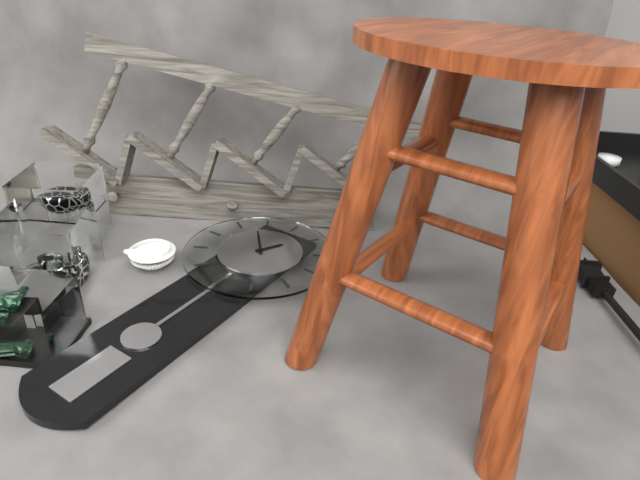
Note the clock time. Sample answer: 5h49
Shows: 12h53
